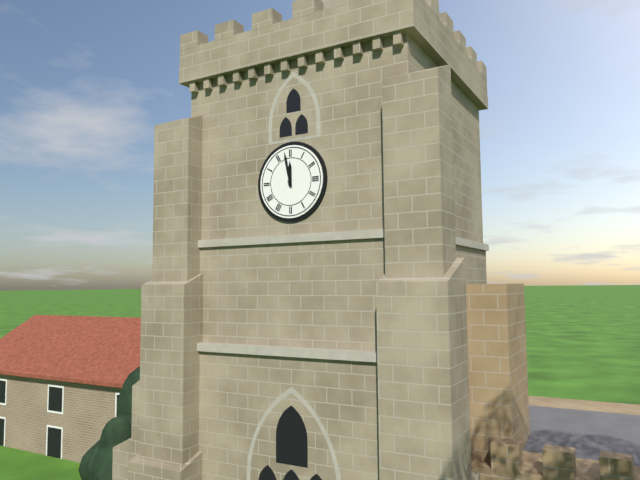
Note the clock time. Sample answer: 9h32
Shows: 11h58
